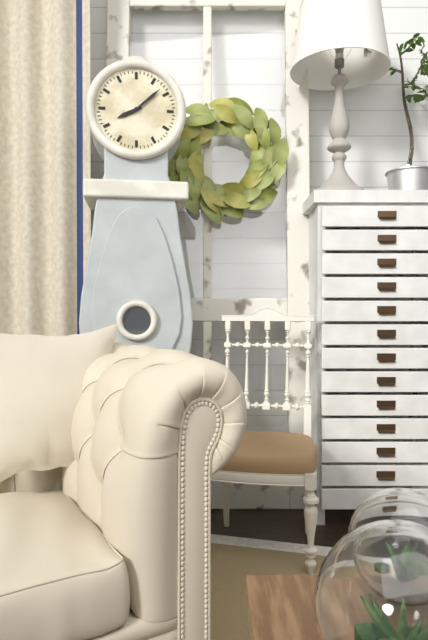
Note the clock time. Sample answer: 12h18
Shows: 8h08
